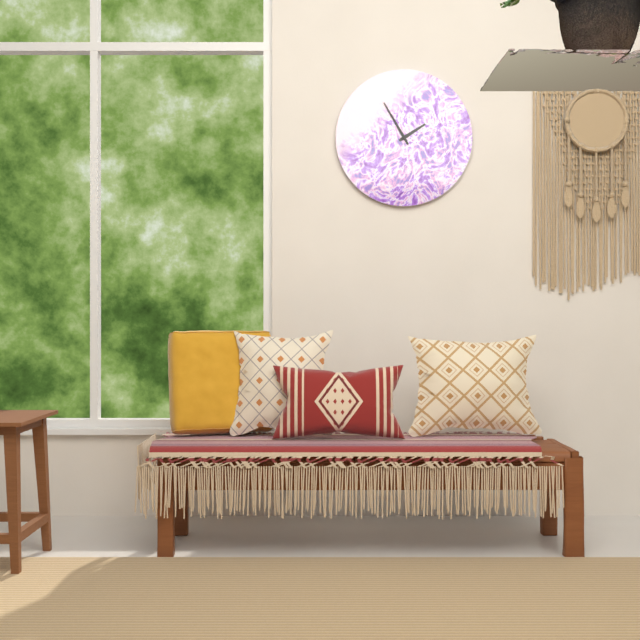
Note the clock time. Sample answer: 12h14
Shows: 1h55
